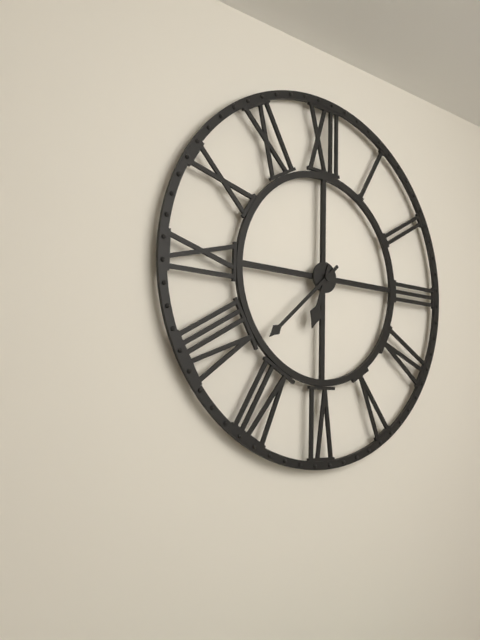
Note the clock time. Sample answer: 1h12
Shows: 6h38
